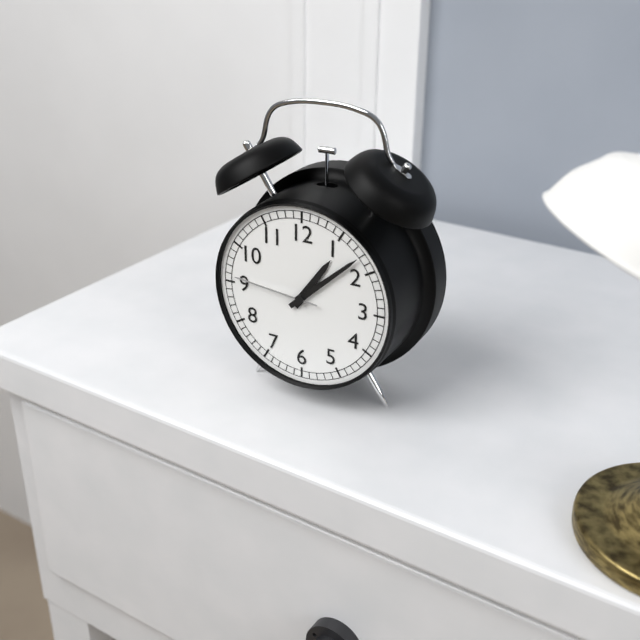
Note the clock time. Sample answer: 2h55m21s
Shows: 1h08m46s
